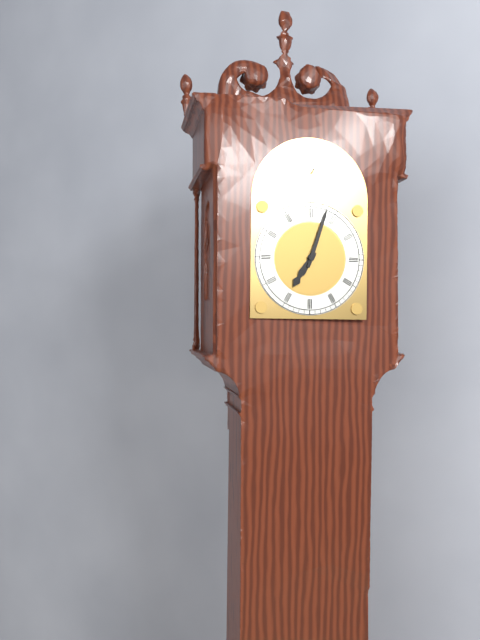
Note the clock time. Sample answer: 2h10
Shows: 7h03
